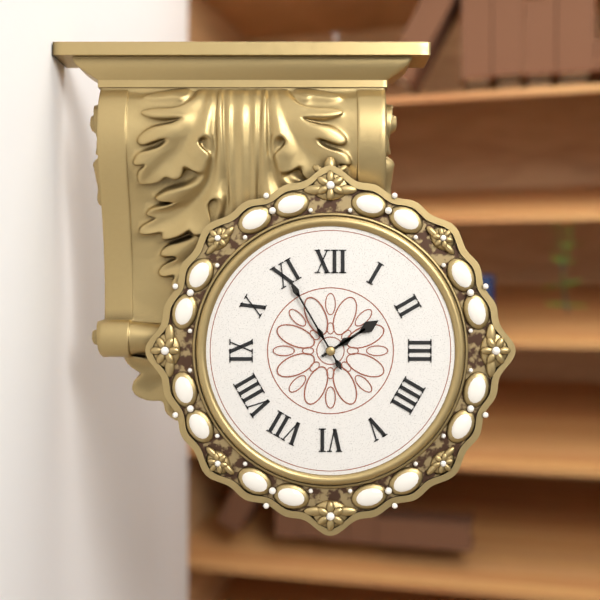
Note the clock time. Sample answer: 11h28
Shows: 1h55
